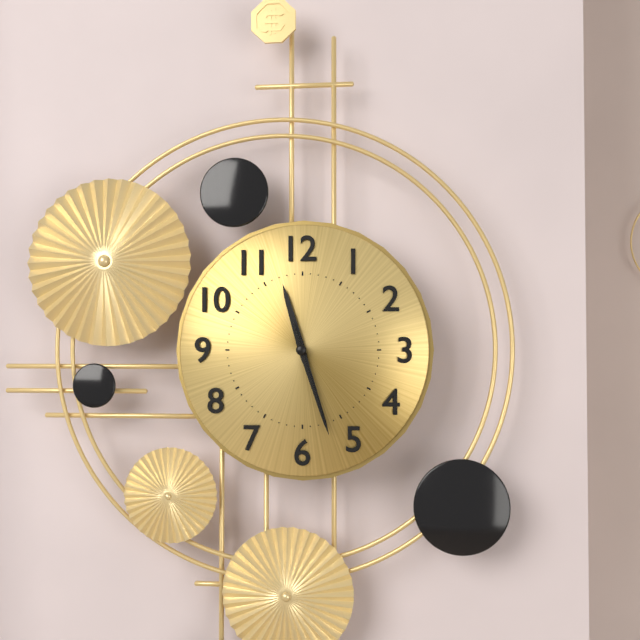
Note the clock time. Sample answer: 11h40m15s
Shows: 11h27m27s
